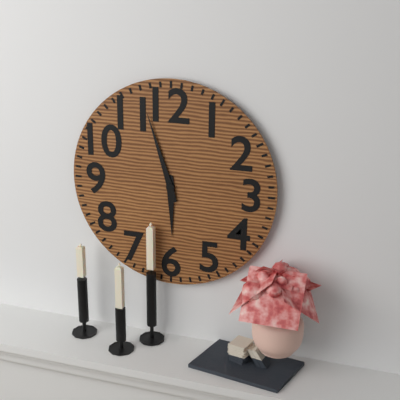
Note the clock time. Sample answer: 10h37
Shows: 5h57
